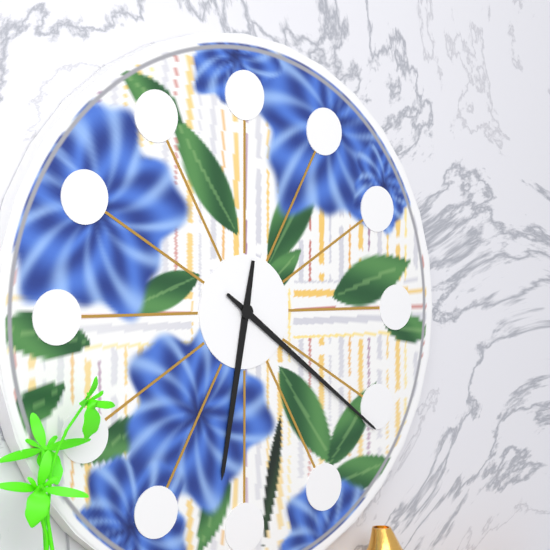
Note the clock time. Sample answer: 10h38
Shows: 6h21
